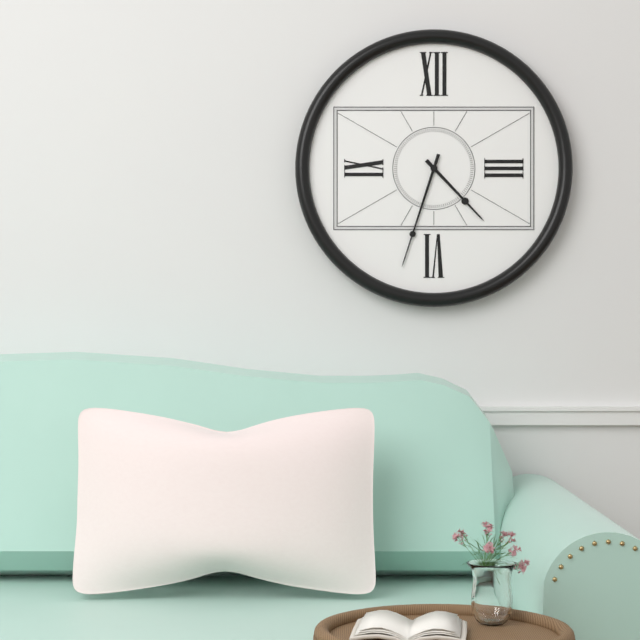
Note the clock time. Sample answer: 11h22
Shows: 4h33
